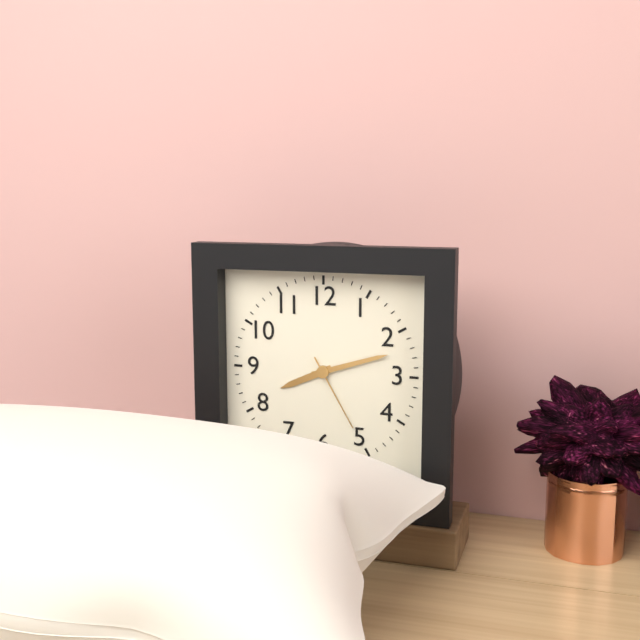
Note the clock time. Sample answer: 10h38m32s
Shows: 8h12m25s
